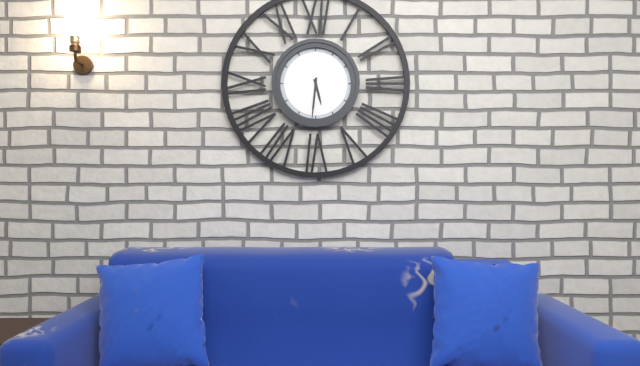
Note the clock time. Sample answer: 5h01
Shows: 5h31
